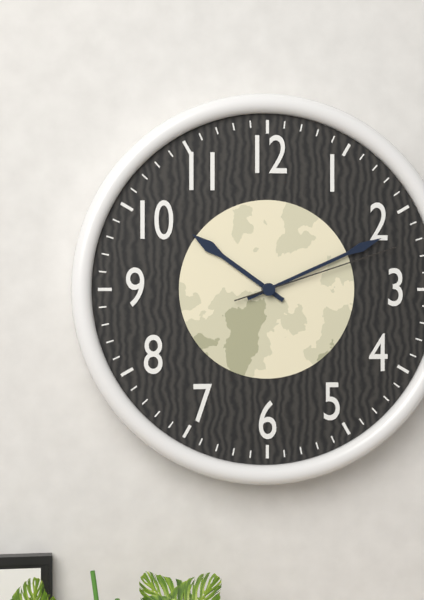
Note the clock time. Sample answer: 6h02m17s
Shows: 10h11m12s
